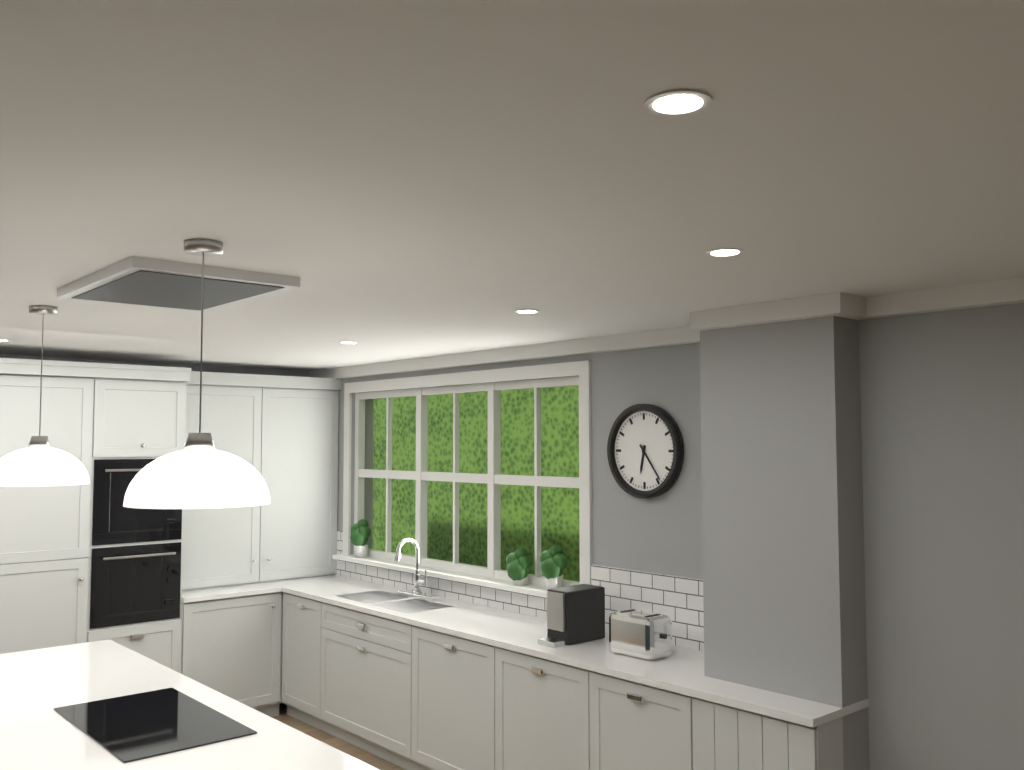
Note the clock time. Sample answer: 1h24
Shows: 6h24
